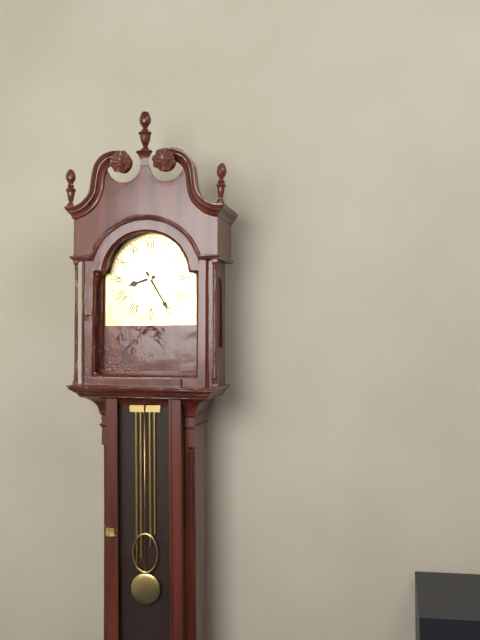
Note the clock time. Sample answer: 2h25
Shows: 8h25
